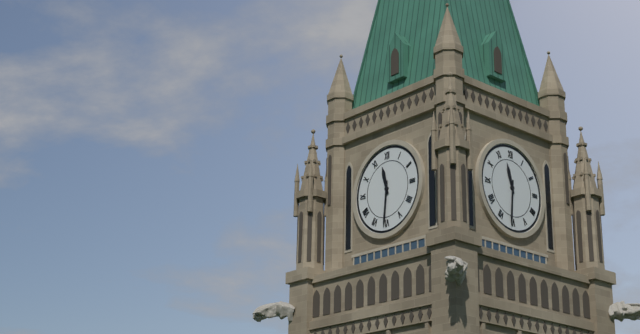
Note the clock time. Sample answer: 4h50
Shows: 11h31
